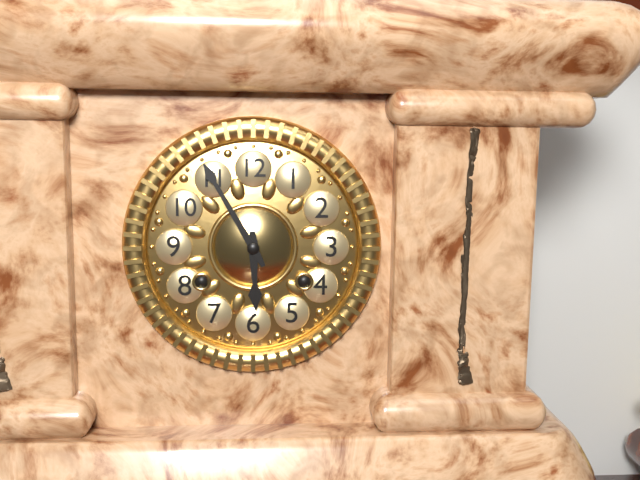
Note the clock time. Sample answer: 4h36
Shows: 5h55
